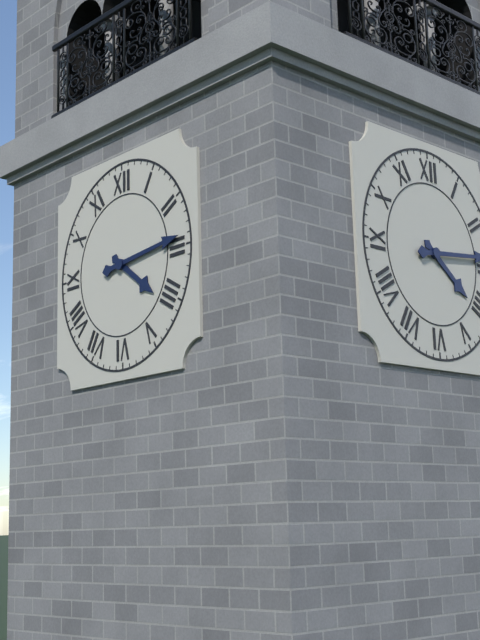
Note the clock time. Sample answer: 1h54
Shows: 4h14
